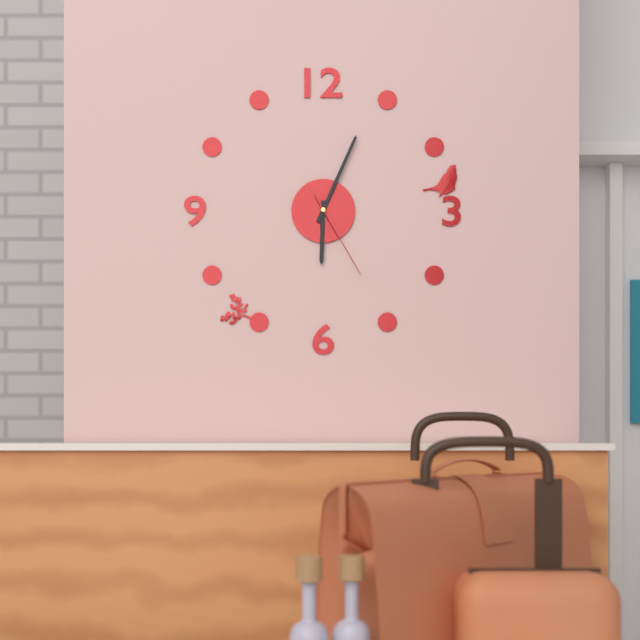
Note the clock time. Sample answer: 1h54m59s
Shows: 6h04m25s
